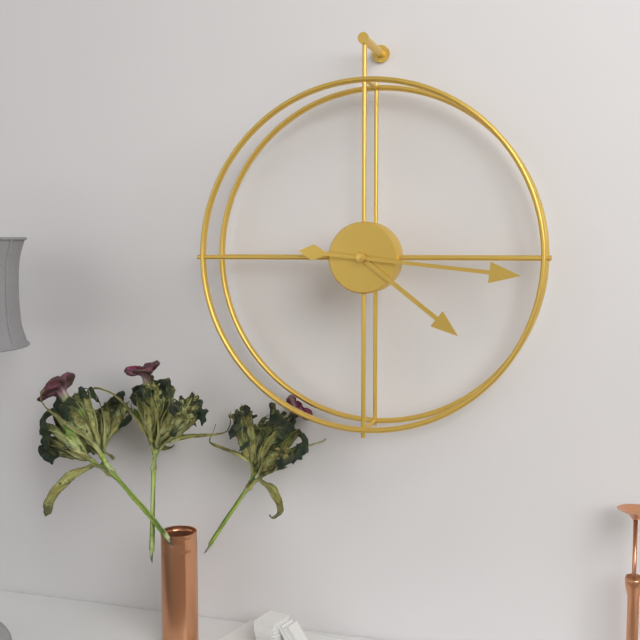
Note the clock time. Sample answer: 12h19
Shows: 4h16
